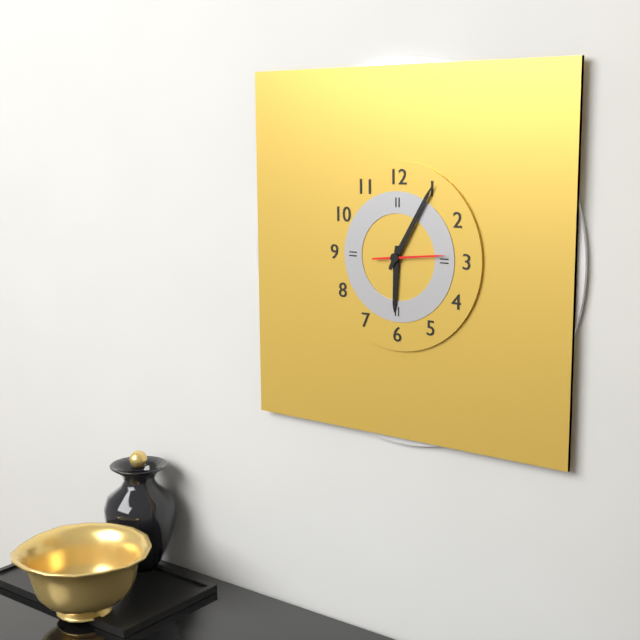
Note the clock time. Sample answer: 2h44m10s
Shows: 6h05m14s
